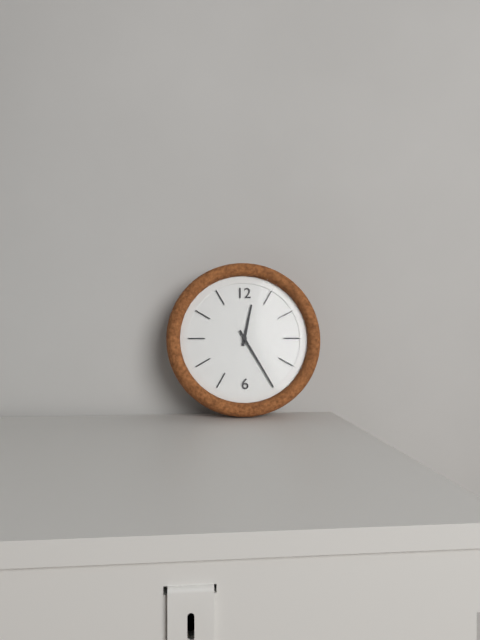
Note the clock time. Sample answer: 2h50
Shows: 12h25
